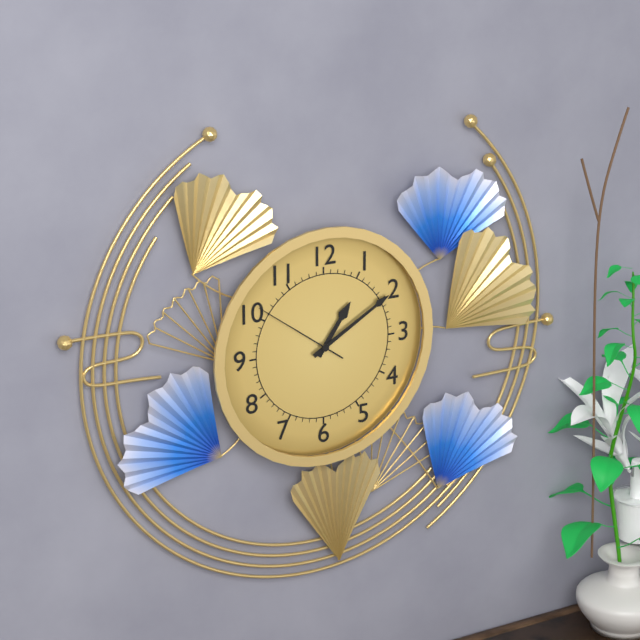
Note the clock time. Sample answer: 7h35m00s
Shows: 1h10m51s
